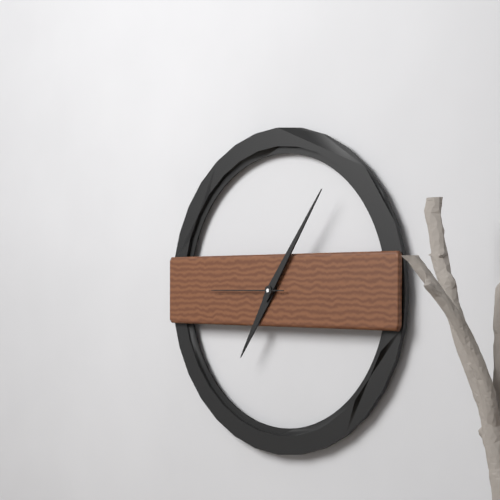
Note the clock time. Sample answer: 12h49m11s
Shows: 7h06m45s
